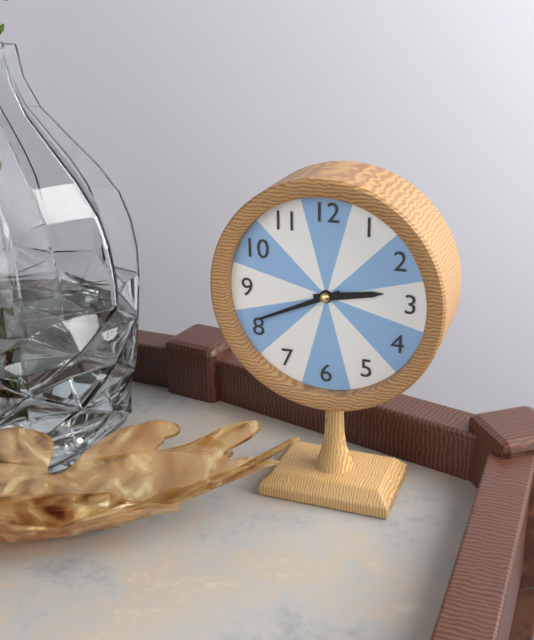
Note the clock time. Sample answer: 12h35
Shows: 2h41
